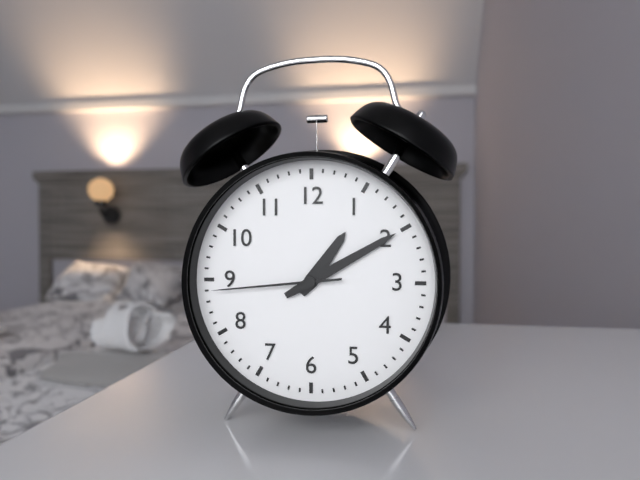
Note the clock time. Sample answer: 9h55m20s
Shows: 1h10m44s
